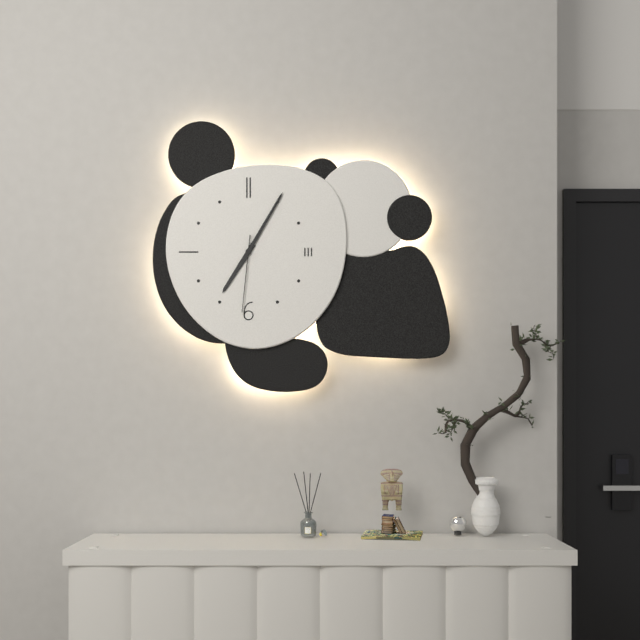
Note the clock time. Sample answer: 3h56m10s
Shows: 7h05m31s
